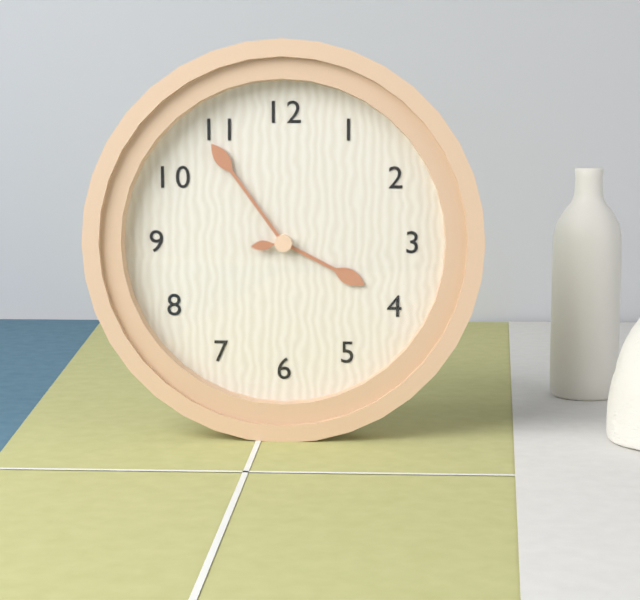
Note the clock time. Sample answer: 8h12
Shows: 3h54
